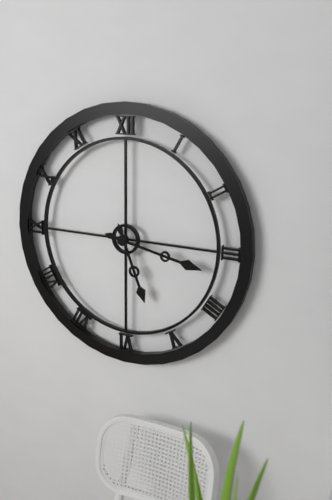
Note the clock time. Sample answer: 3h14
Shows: 5h17
